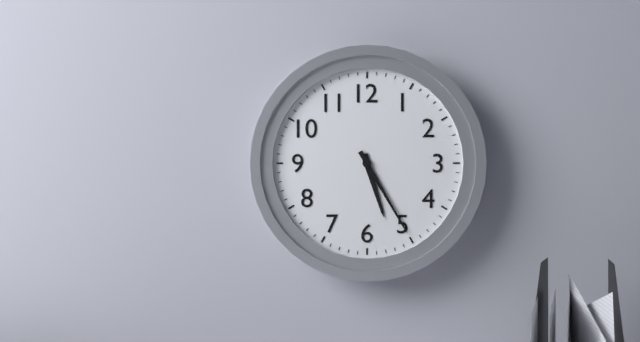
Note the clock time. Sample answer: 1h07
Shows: 5h25
